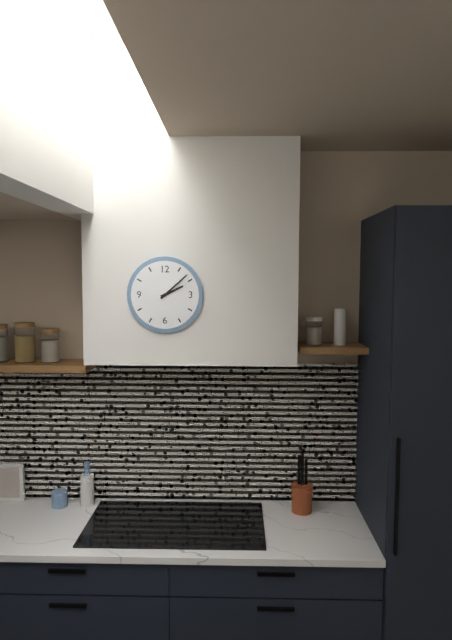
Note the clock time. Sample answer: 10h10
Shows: 2h08
